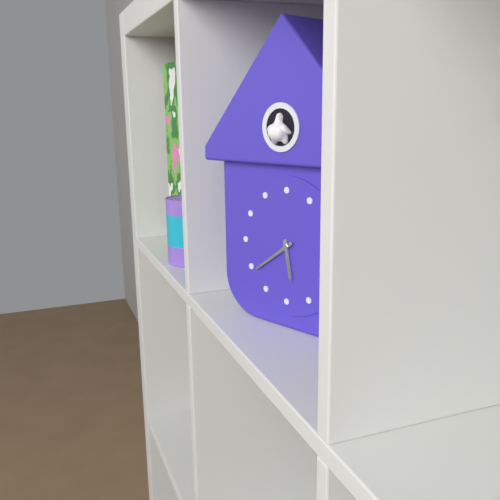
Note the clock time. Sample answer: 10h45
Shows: 5h39
